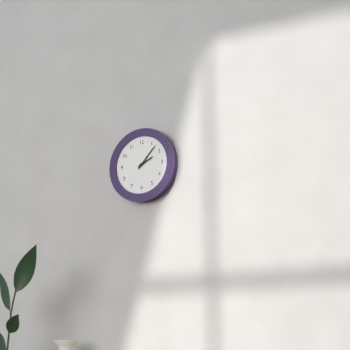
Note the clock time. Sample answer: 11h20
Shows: 2h07
